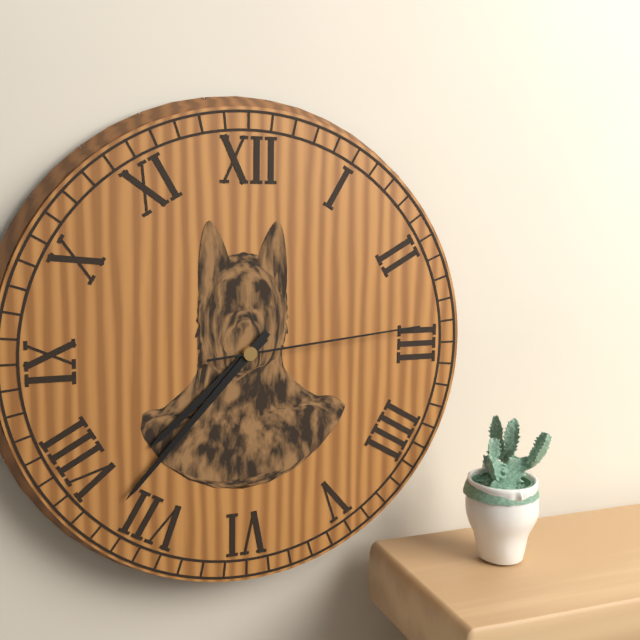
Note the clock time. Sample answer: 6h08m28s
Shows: 7h37m14s
